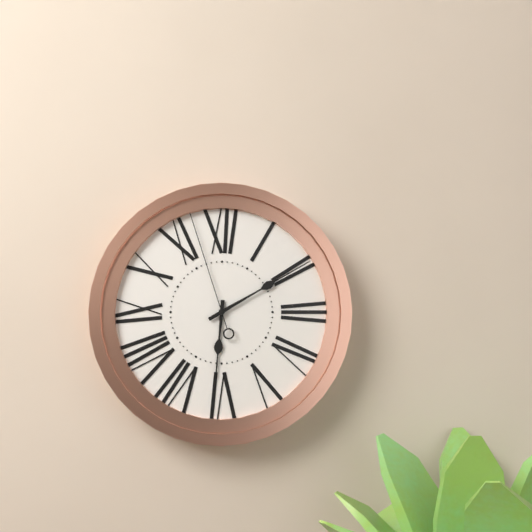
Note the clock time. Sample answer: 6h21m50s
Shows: 6h10m57s
